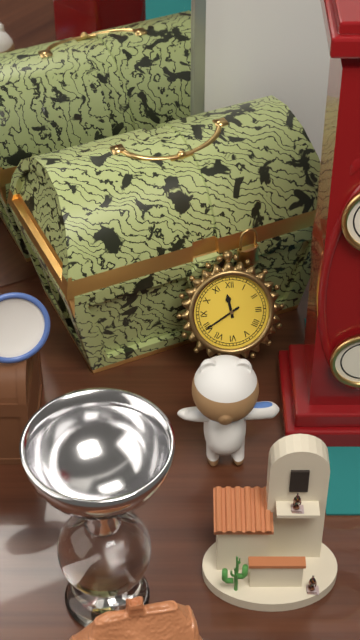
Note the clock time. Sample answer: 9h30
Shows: 11h40
